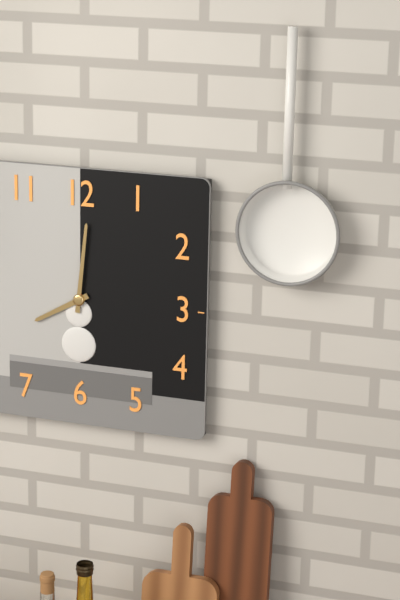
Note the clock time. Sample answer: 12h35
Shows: 8h01
